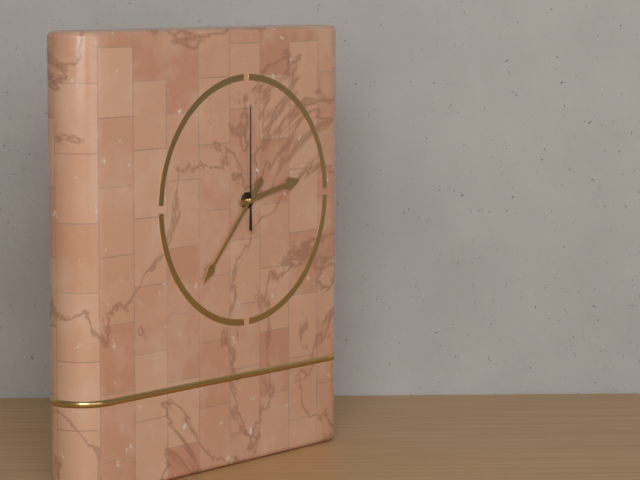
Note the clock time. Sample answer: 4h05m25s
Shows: 2h37m00s
